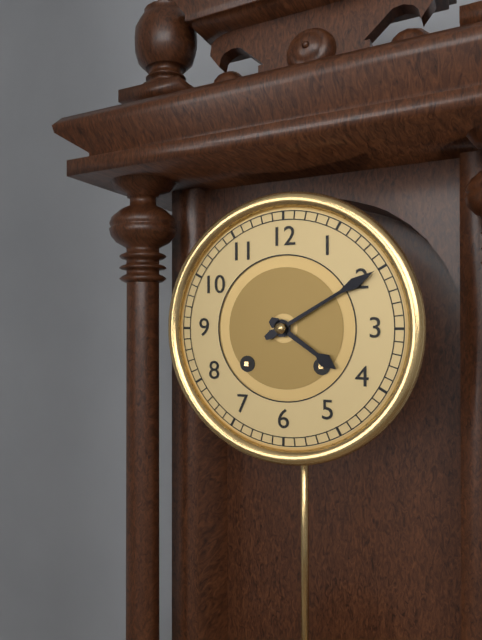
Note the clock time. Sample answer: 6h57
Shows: 4h10
